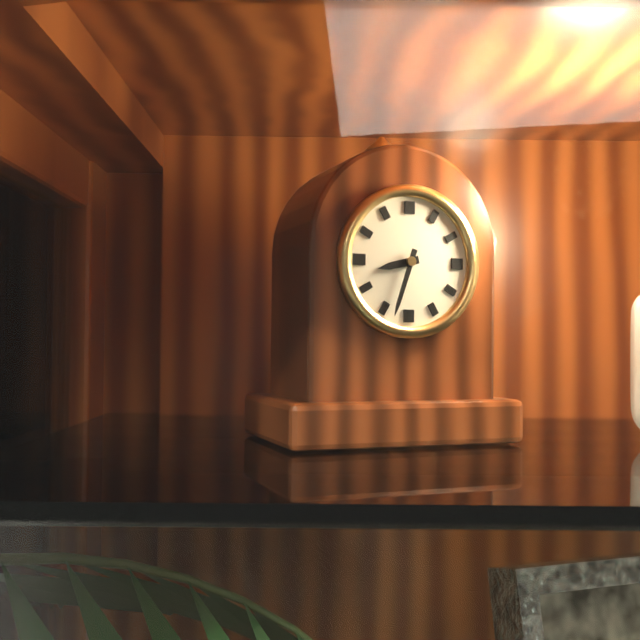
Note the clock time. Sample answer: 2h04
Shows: 8h33
